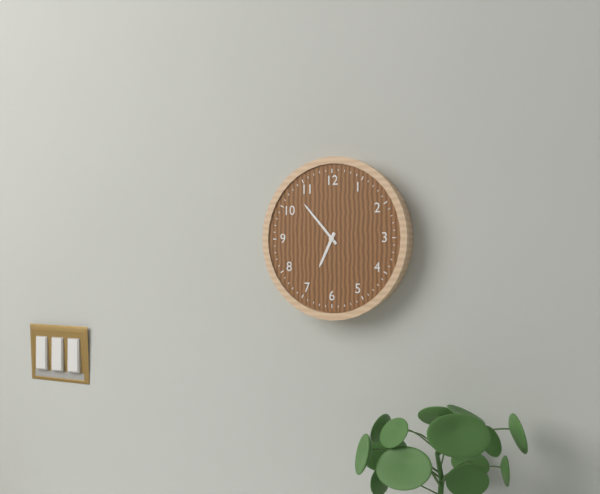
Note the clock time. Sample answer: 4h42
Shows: 6h53
